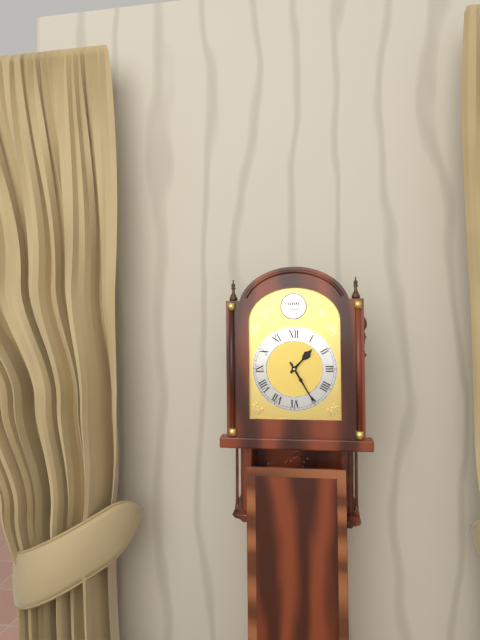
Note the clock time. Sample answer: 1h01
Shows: 1h25
